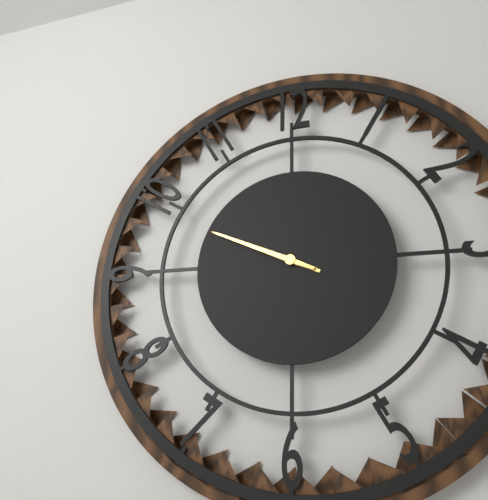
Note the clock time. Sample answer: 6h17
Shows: 9h49
